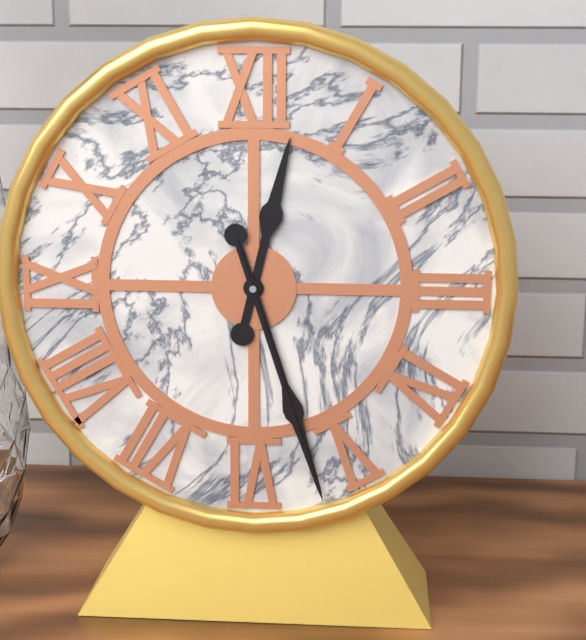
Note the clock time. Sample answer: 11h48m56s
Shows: 12h27m27s
